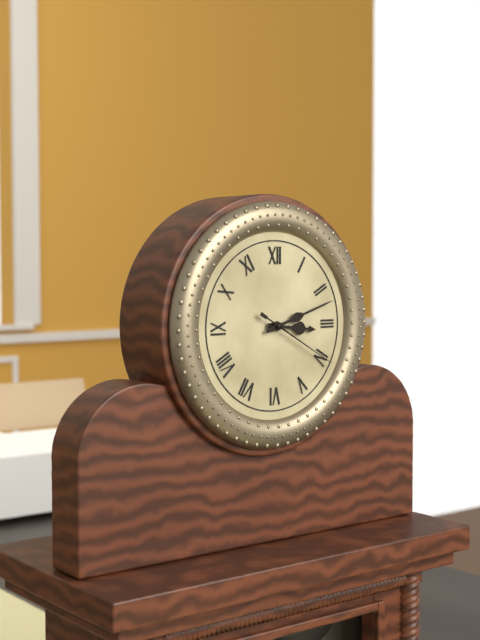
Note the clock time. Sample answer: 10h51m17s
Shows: 3h12m20s
